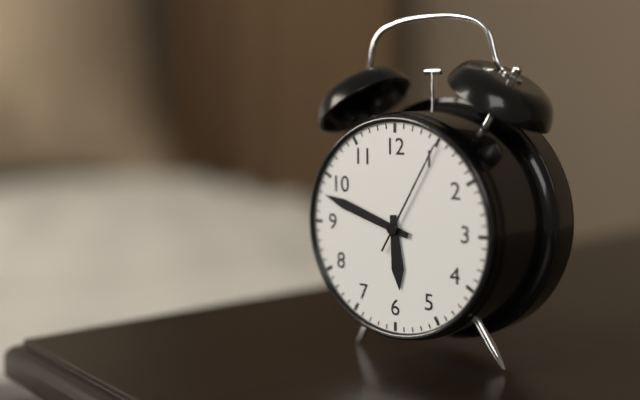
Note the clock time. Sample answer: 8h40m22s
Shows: 5h48m05s
